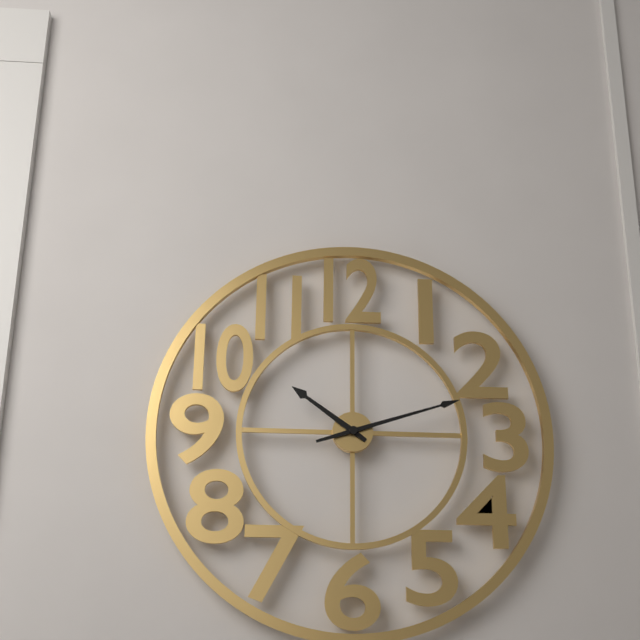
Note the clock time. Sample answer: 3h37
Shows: 10h12
